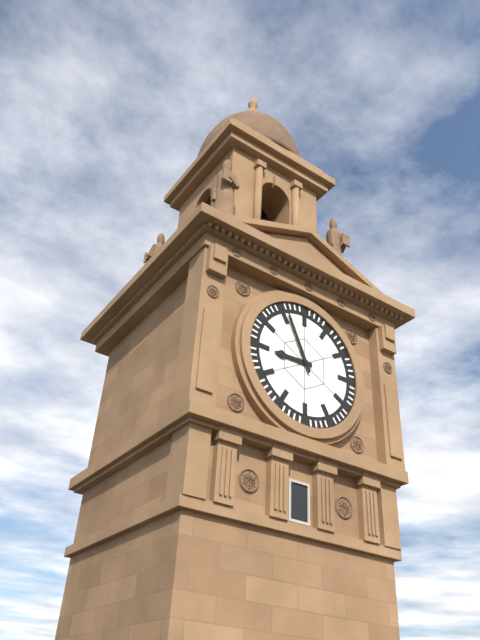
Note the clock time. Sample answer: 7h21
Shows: 8h56
